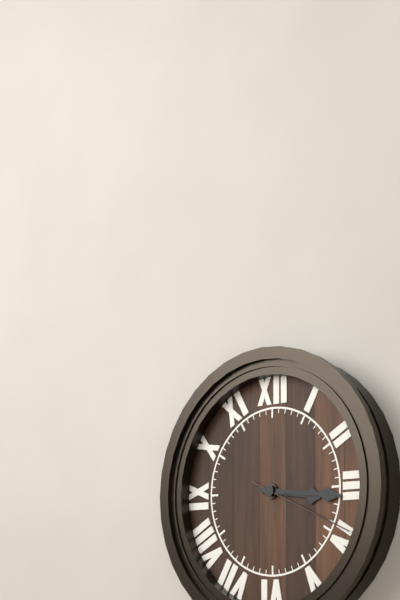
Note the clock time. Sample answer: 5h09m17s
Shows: 3h16m19s
